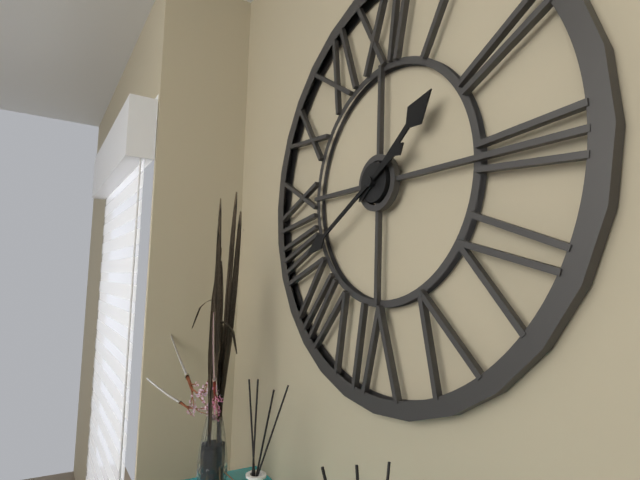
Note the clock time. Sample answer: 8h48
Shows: 1h40
